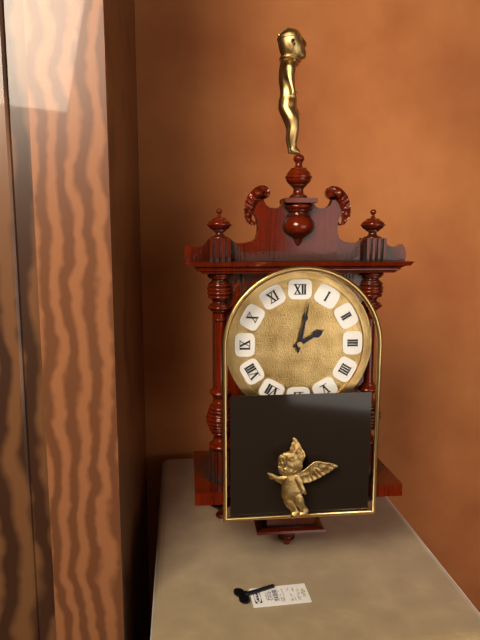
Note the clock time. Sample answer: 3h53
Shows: 2h02
